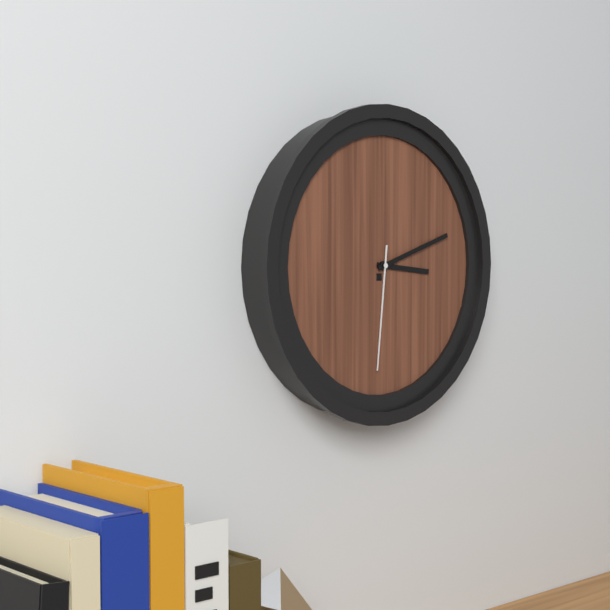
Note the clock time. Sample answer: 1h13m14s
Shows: 3h12m31s
